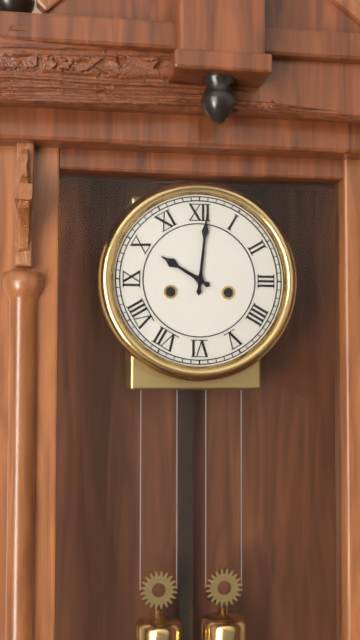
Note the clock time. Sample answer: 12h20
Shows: 10h01
